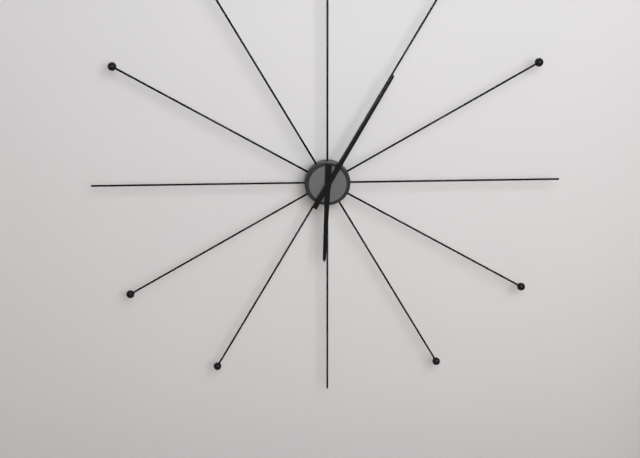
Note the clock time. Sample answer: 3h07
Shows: 6h05
